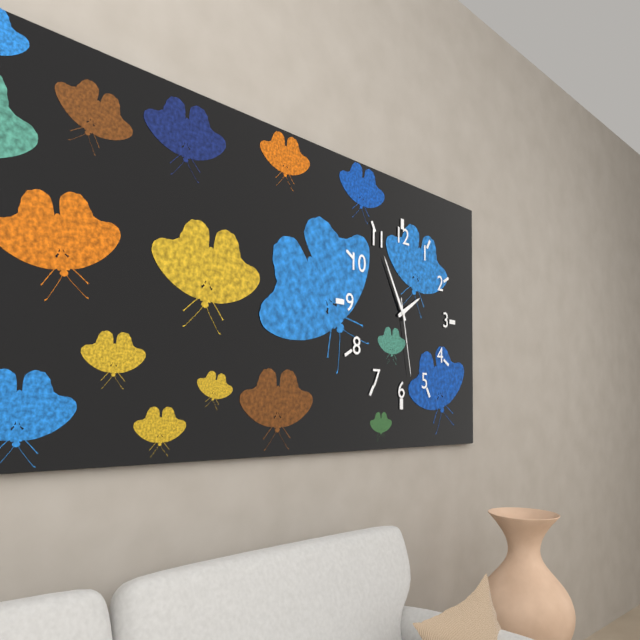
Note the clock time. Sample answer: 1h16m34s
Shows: 1h55m28s
